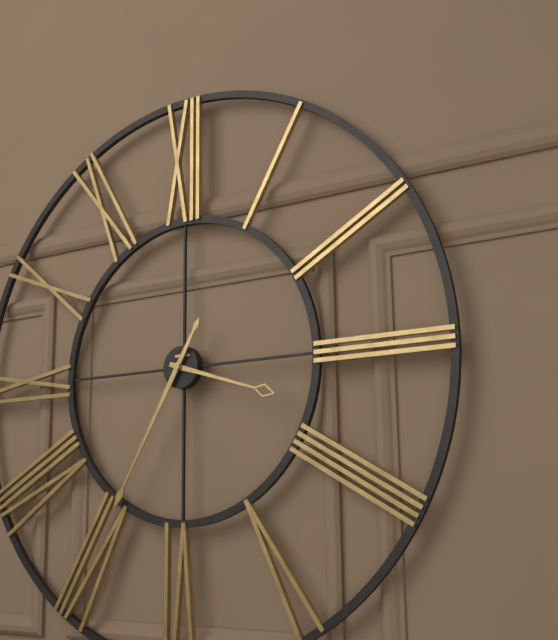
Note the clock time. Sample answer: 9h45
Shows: 3h35
